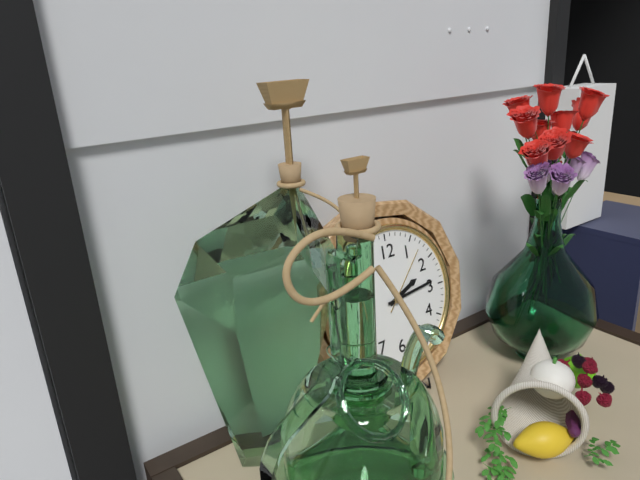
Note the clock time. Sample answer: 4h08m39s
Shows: 2h14m07s
